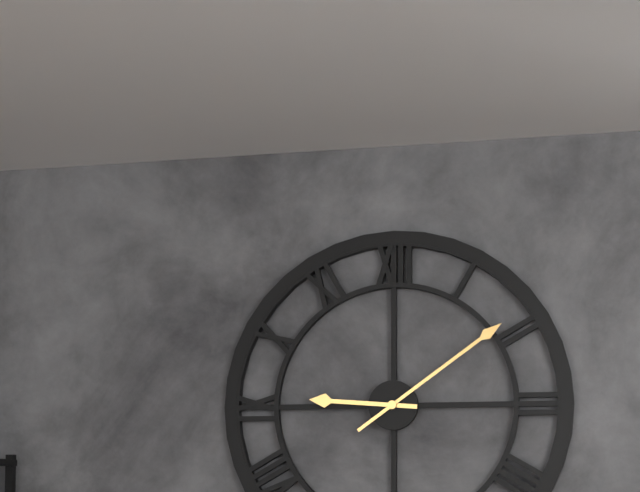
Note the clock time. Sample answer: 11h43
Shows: 9h09
